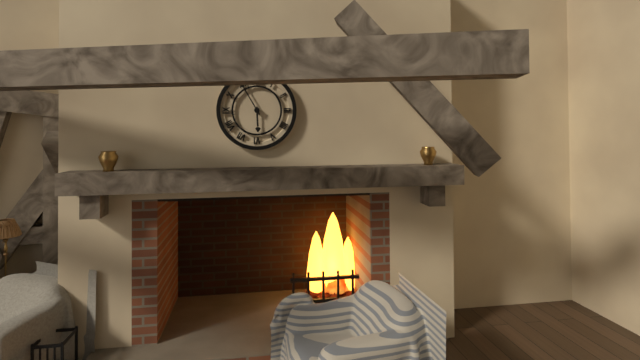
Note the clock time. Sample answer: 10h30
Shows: 5h55
